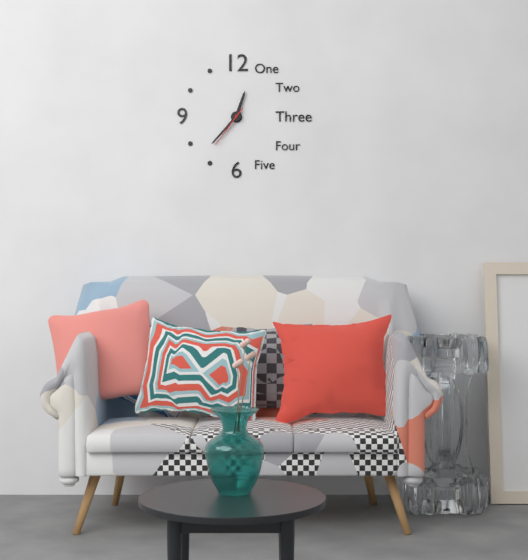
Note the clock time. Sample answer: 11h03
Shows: 12h37
